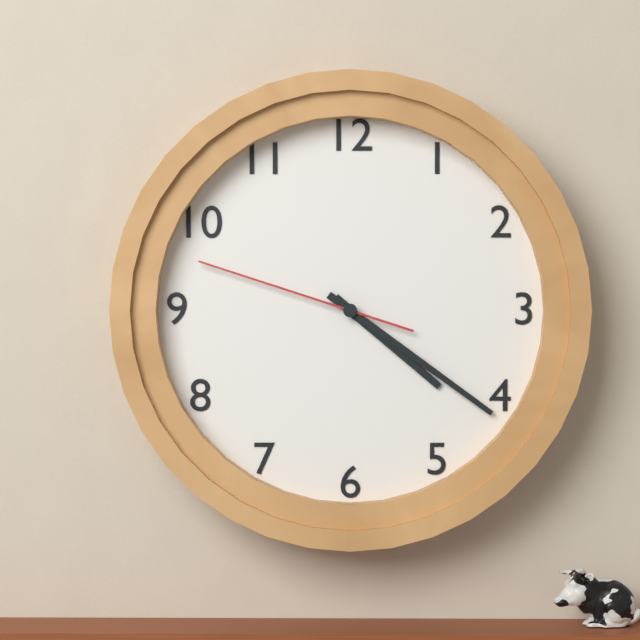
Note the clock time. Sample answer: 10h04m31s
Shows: 4h21m48s
